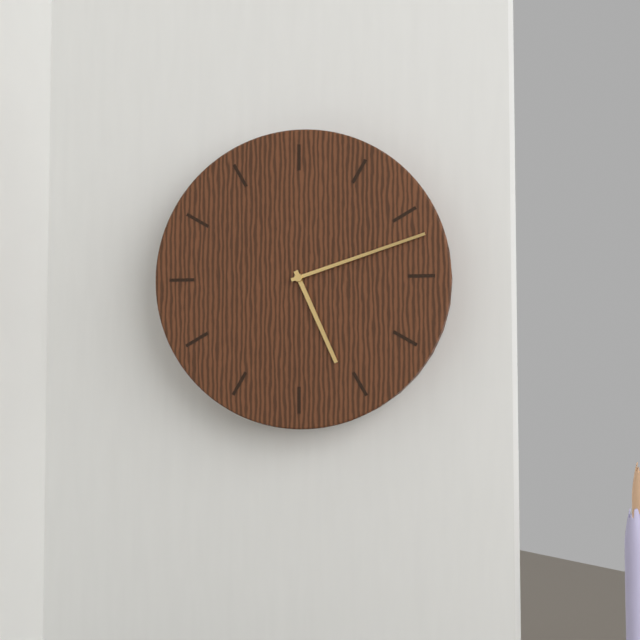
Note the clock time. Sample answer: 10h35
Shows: 5h12
